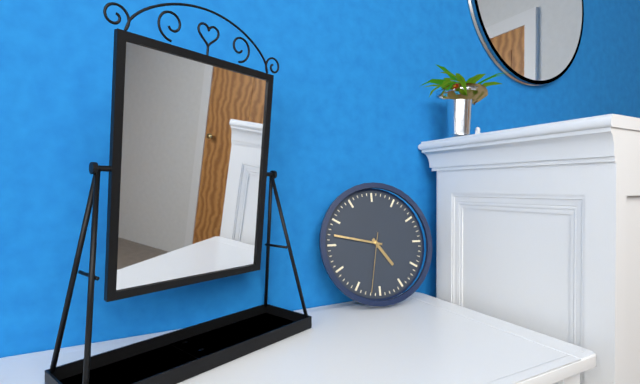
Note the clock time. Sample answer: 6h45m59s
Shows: 4h47m32s
